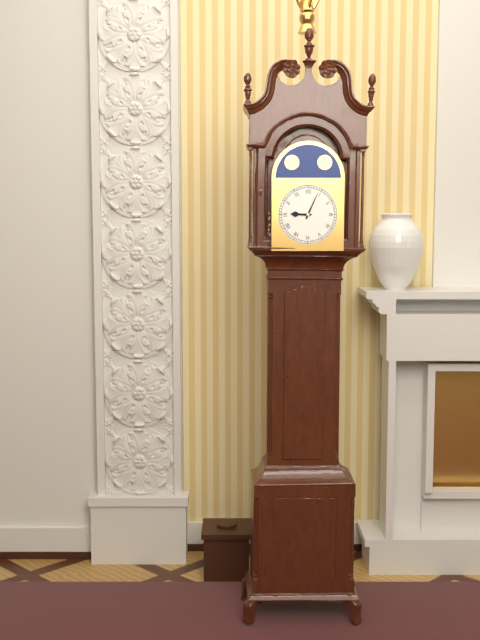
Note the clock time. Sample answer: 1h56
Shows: 9h04
